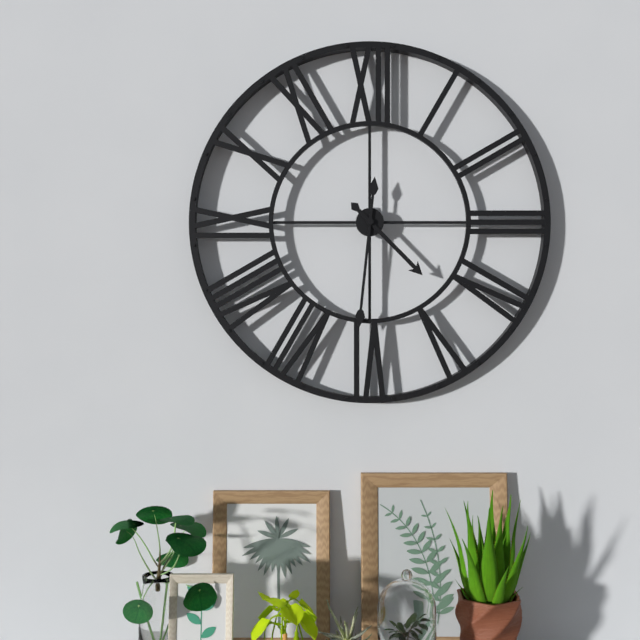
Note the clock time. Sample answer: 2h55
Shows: 4h31
